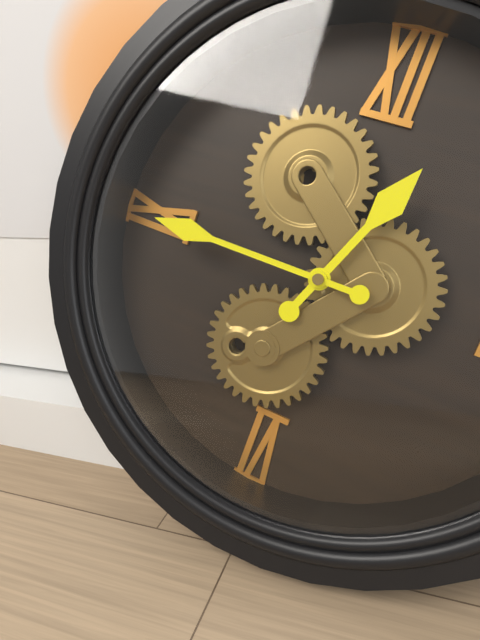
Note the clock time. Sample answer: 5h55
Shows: 12h45
